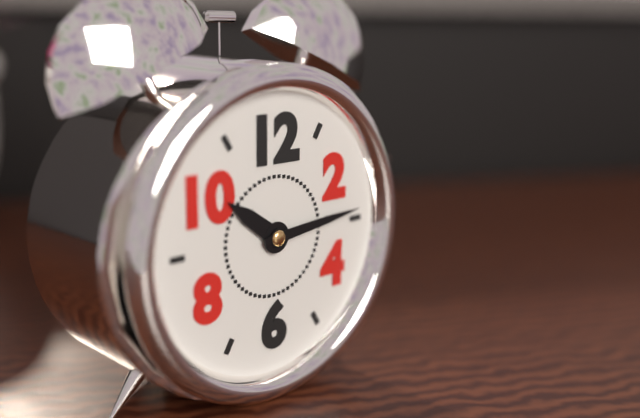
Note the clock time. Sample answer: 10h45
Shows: 10h14
